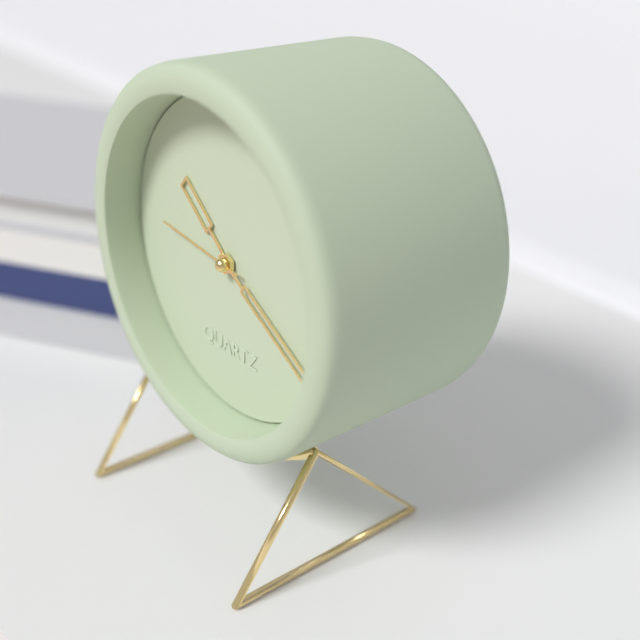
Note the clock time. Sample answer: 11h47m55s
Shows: 10h20m46s
